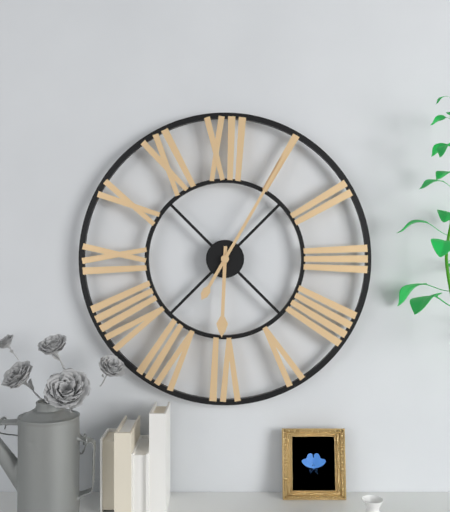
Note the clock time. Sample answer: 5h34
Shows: 6h05
